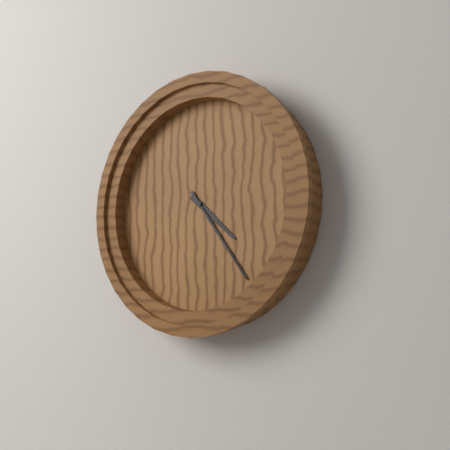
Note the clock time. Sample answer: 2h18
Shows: 4h24
